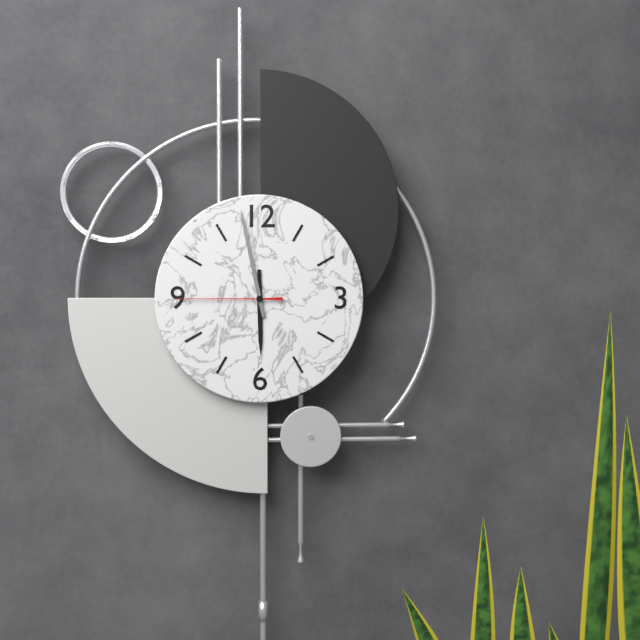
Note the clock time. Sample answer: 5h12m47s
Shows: 5h58m45s
